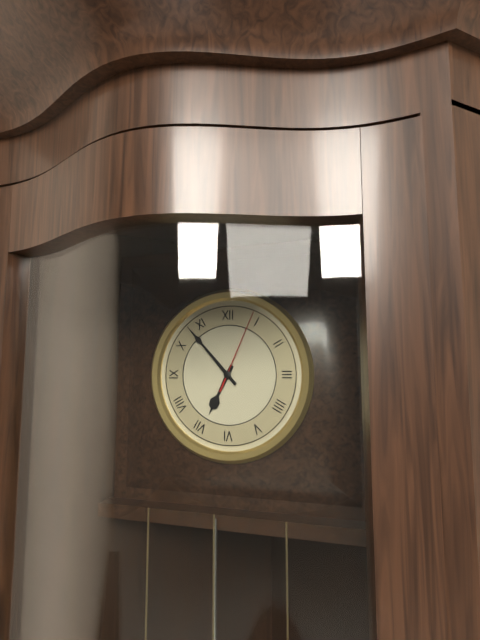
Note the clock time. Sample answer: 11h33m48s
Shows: 6h53m04s
